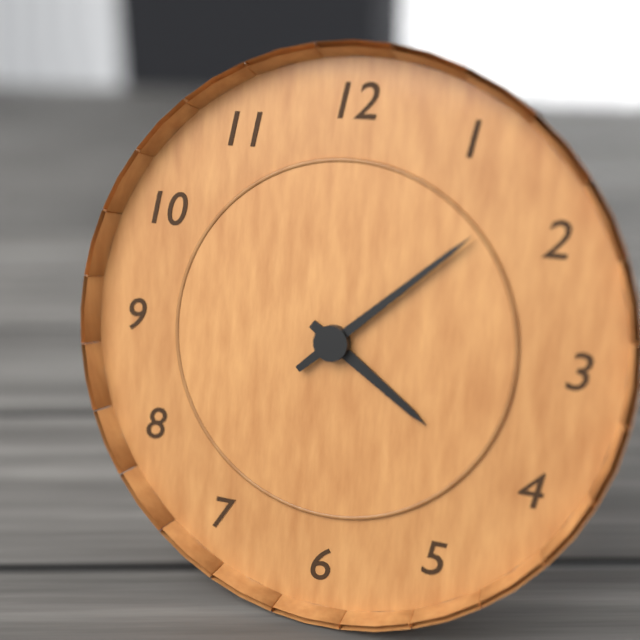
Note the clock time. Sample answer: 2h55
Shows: 4h08
